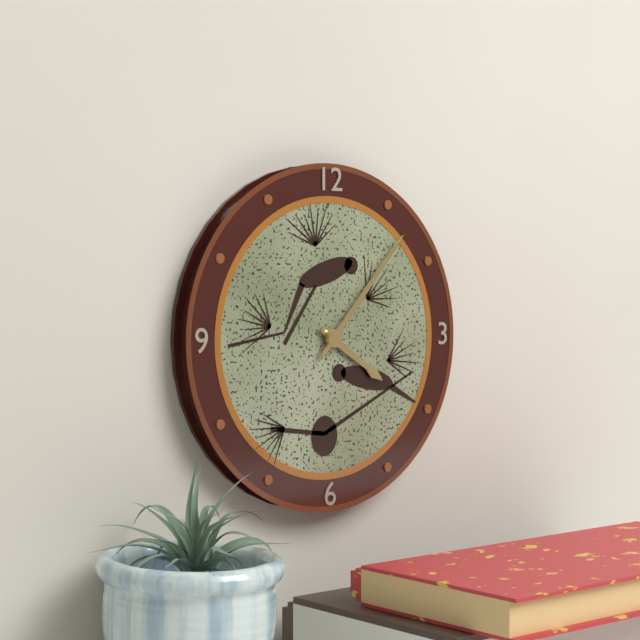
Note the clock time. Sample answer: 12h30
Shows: 4h07
